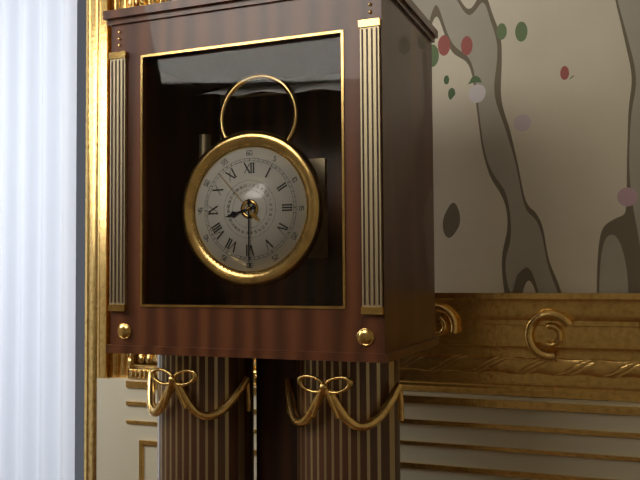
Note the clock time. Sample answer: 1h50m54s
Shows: 8h30m53s
